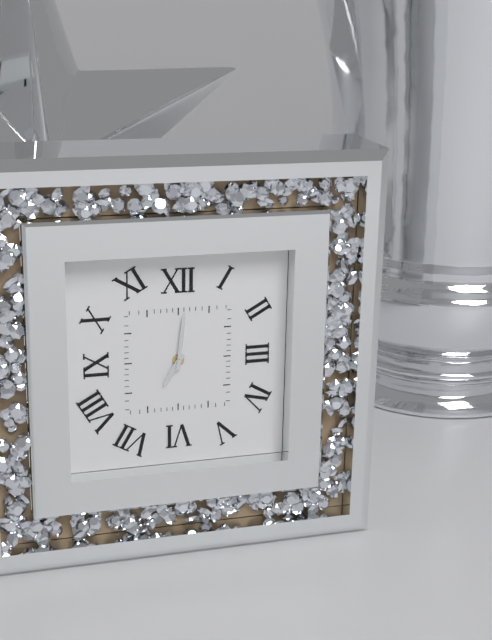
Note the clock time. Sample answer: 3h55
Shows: 7h01
